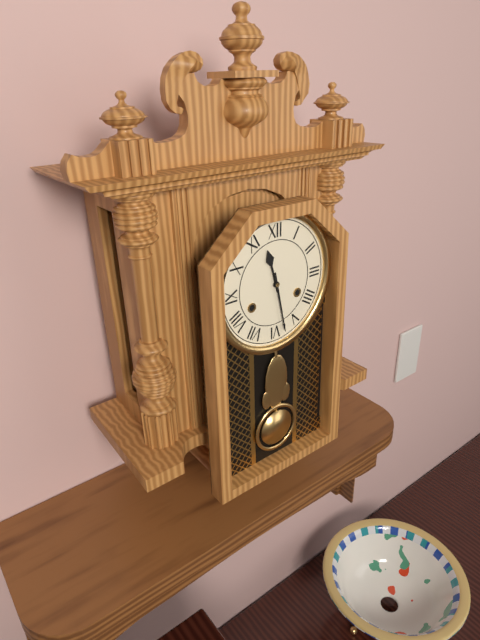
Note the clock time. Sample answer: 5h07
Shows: 11h28
